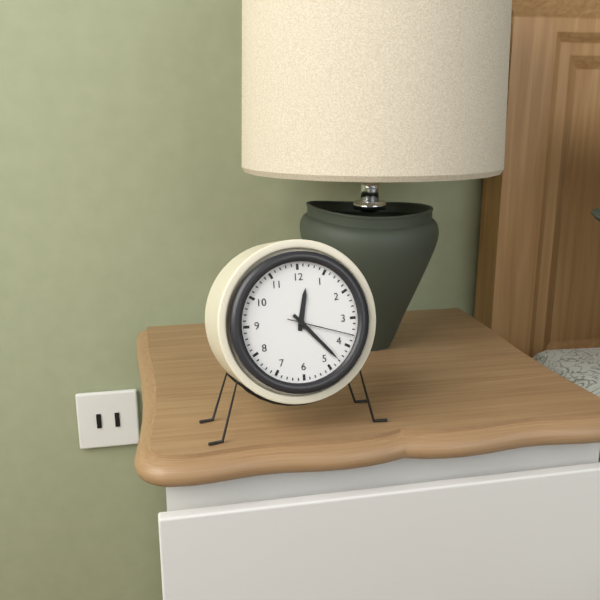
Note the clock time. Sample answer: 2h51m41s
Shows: 12h23m18s
